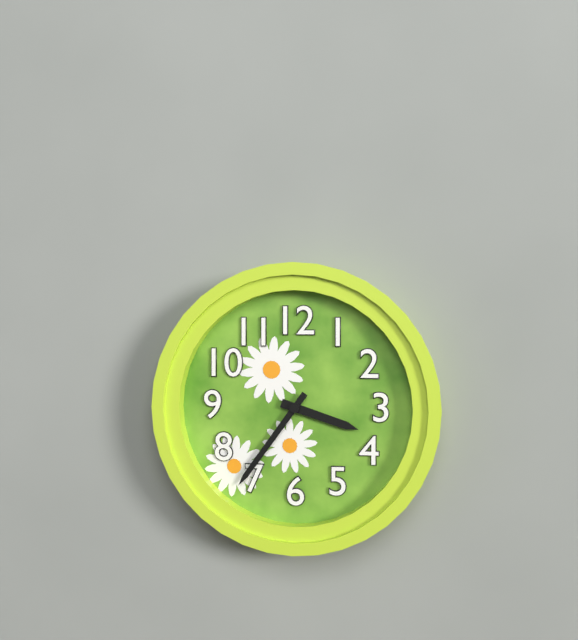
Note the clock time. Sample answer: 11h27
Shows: 3h36
